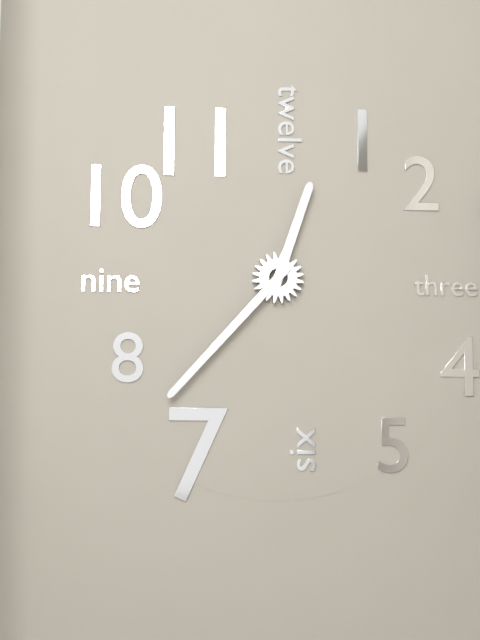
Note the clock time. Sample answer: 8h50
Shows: 12h37
